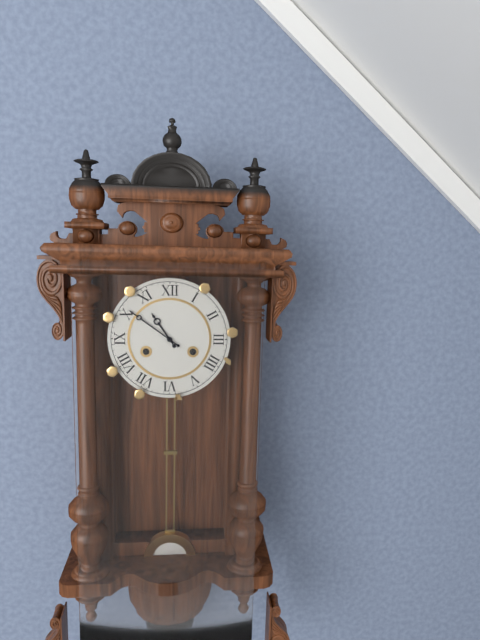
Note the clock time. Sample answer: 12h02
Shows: 10h51
